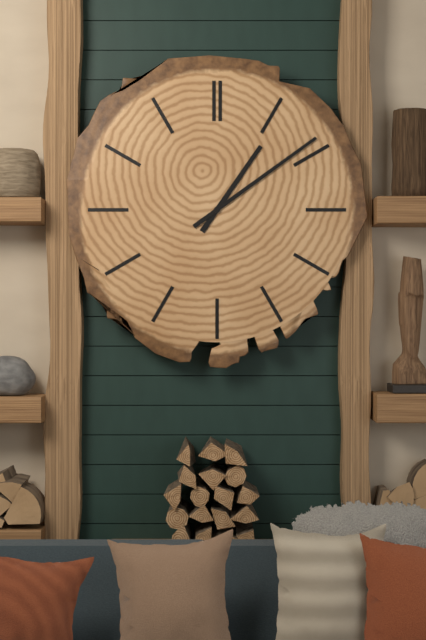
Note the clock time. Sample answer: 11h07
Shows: 1h09
